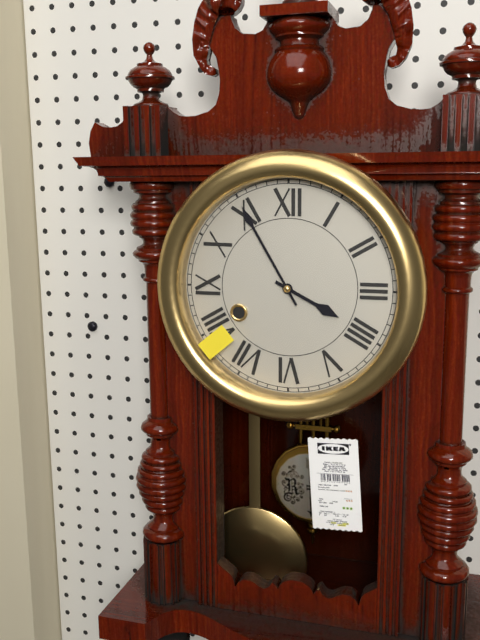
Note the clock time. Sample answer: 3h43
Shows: 3h55
